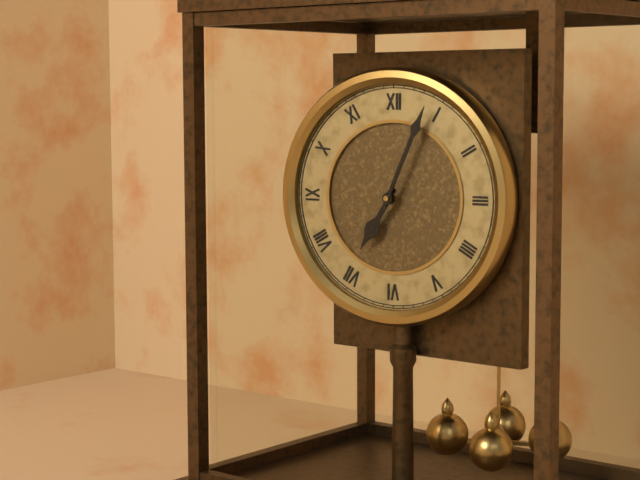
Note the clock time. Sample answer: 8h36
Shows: 7h04
